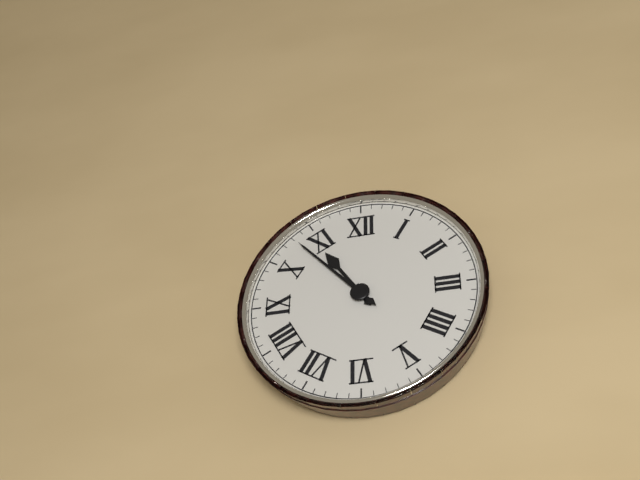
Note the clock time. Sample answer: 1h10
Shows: 10h53
